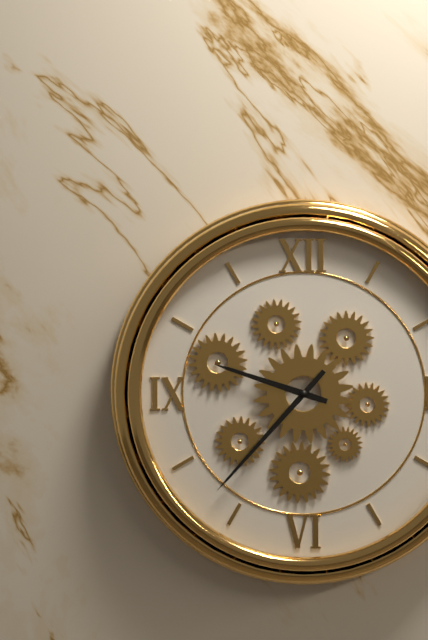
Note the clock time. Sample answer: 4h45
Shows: 9h37
